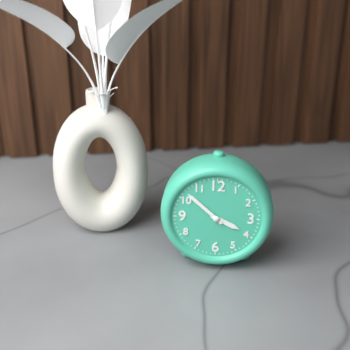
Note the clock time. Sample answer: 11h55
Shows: 3h52
